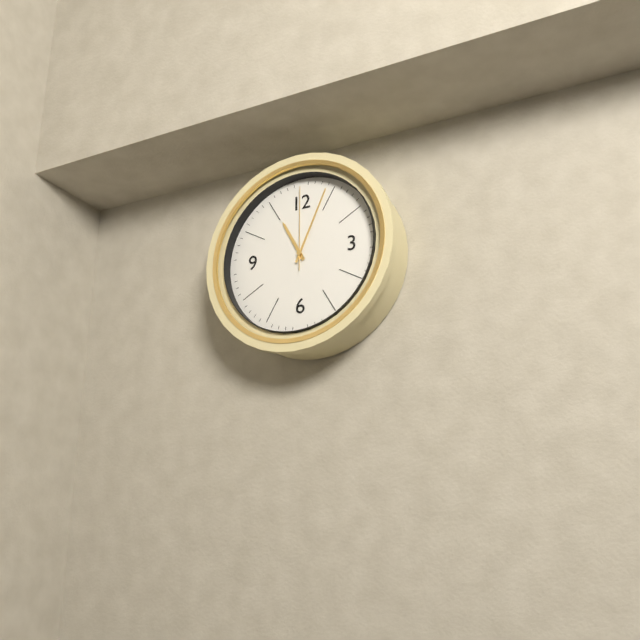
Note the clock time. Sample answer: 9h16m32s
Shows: 11h04m00s
